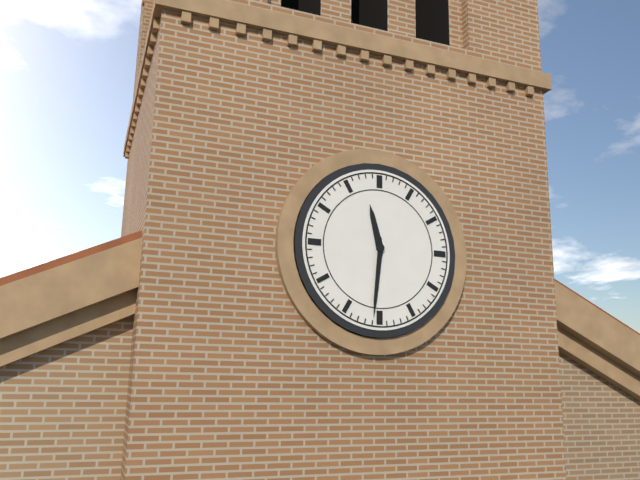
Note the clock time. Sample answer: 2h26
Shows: 11h31
